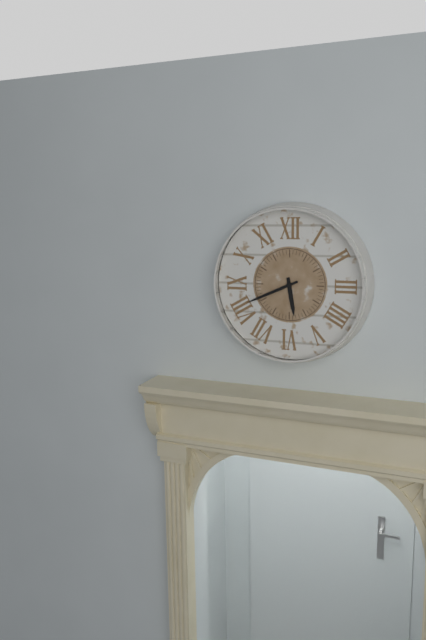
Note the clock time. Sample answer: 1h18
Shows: 5h41
